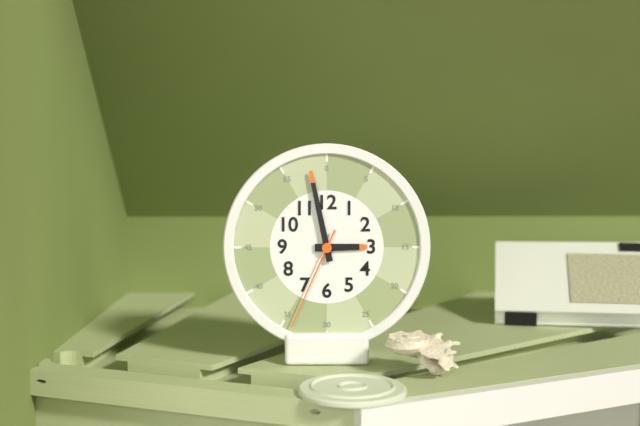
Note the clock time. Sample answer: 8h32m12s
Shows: 2h58m34s
